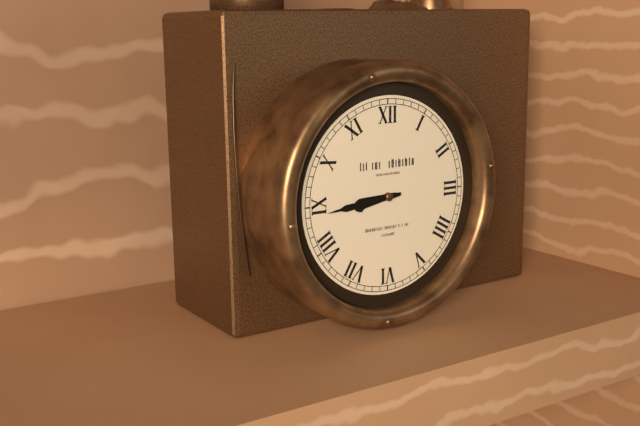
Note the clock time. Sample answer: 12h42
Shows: 8h44
